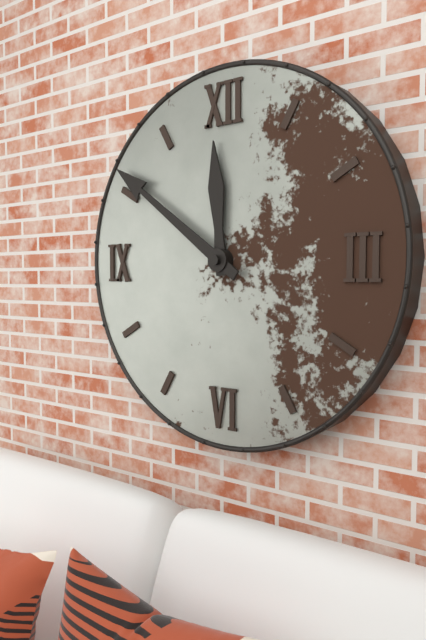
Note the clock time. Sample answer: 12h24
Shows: 11h51
